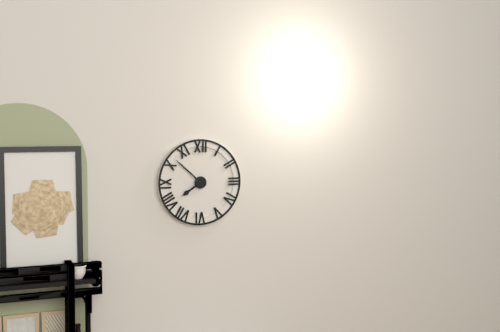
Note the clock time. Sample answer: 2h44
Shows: 7h52
